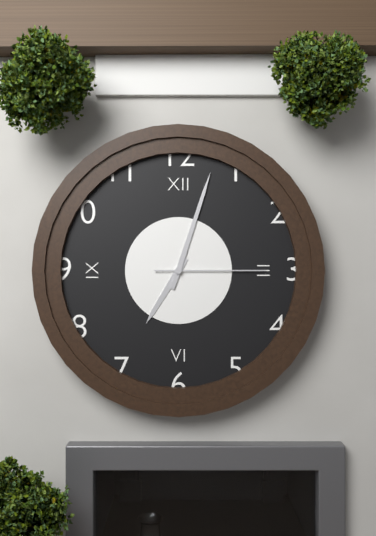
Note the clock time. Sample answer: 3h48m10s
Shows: 7h03m15s
